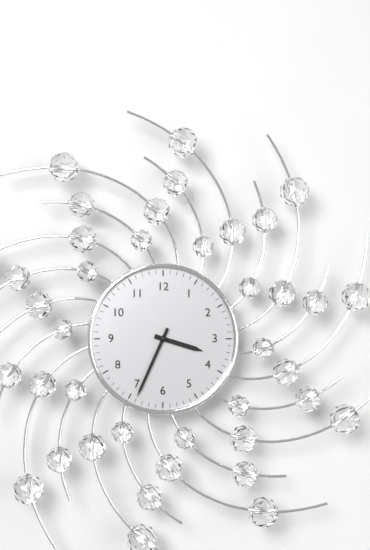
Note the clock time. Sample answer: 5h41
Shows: 3h34
